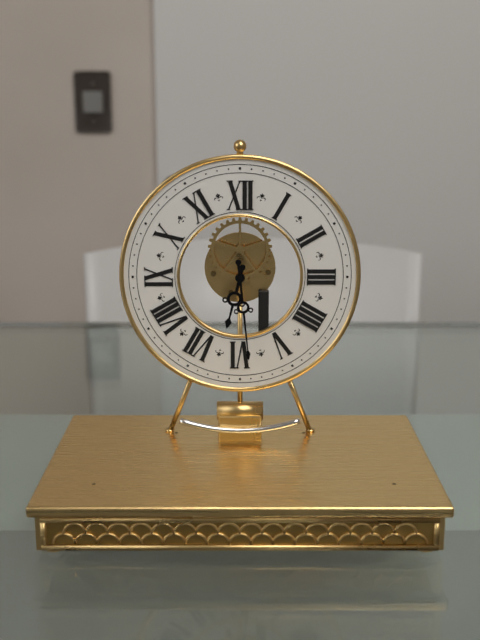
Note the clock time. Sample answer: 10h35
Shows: 6h29
